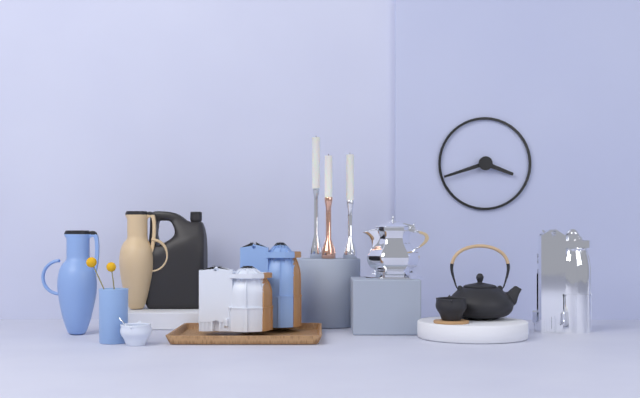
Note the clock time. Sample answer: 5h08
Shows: 3h42
